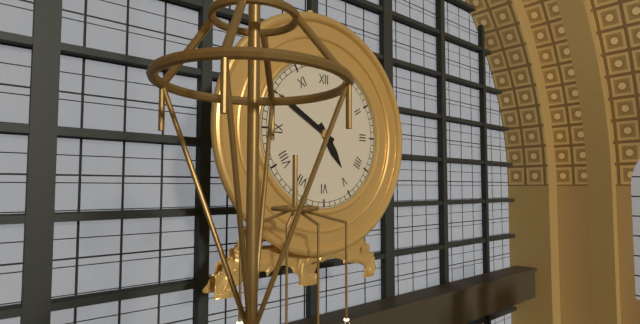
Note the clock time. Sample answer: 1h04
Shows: 4h50
